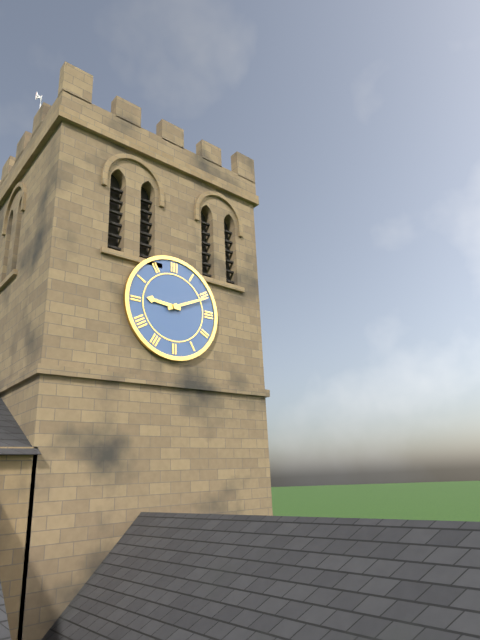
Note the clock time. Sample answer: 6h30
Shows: 9h11
